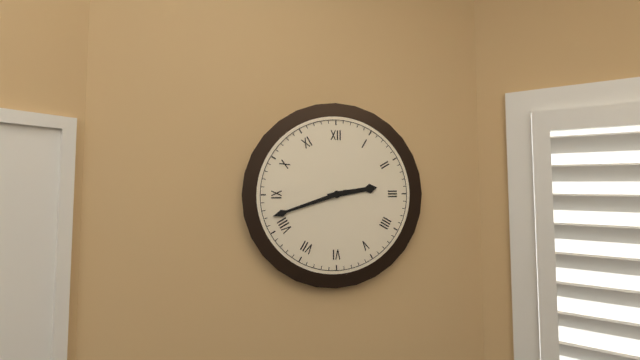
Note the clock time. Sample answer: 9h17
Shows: 2h42
